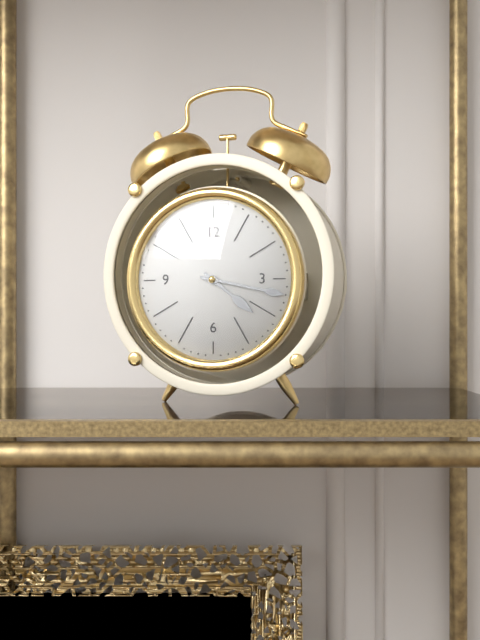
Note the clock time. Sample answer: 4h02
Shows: 4h17
